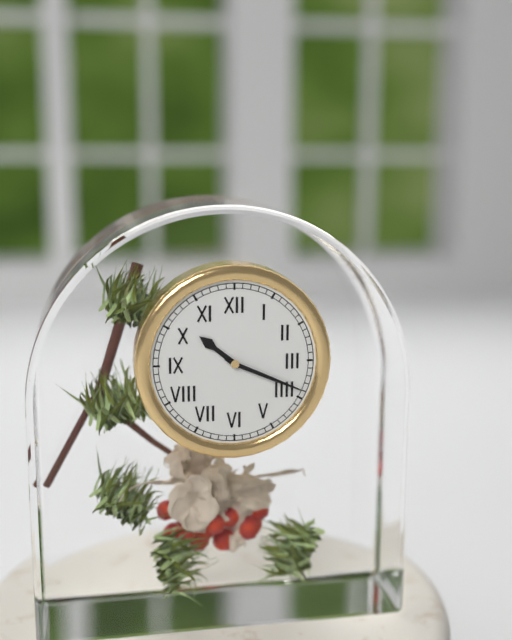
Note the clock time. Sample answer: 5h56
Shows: 10h19
